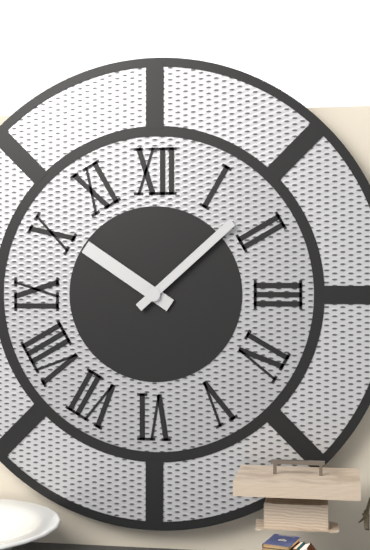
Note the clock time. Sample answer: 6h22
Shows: 10h08
